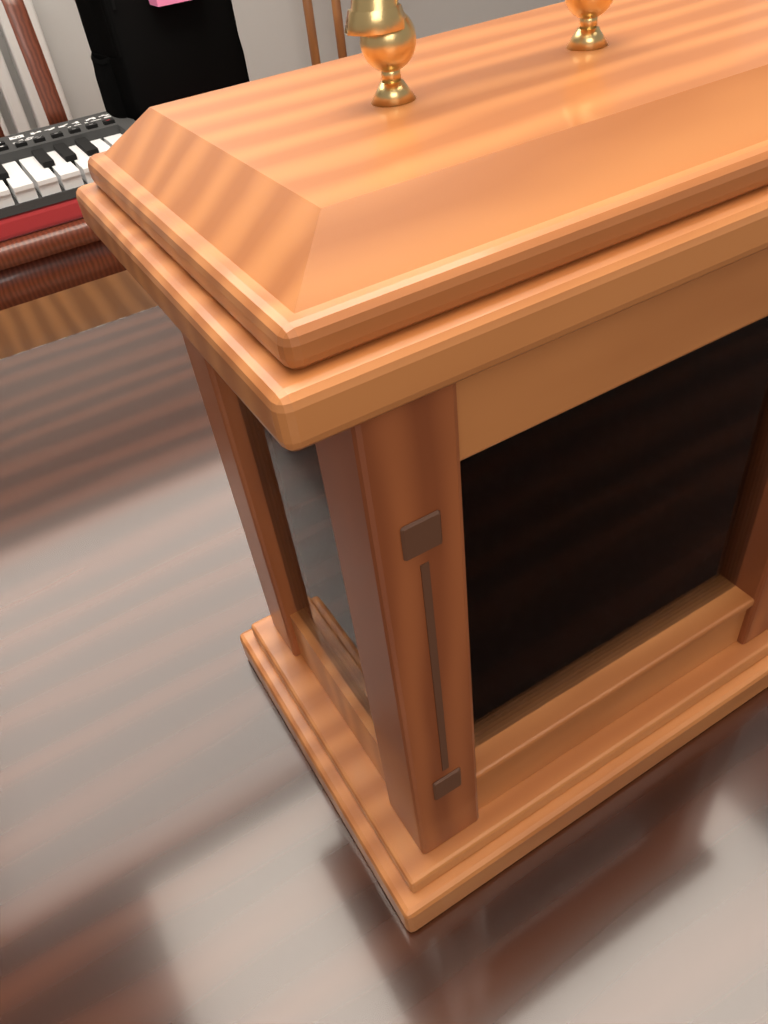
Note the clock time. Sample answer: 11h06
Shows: 8h14
